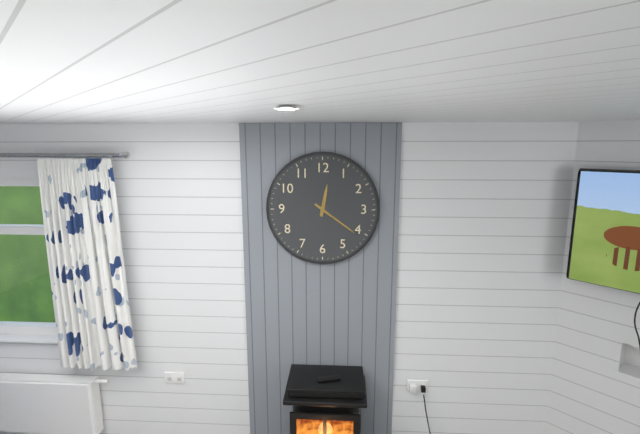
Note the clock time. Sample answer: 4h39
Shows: 12h21
